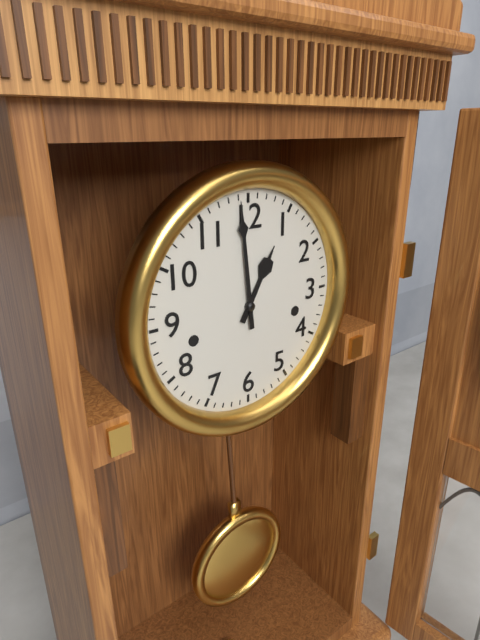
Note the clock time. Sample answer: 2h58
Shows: 12h59
